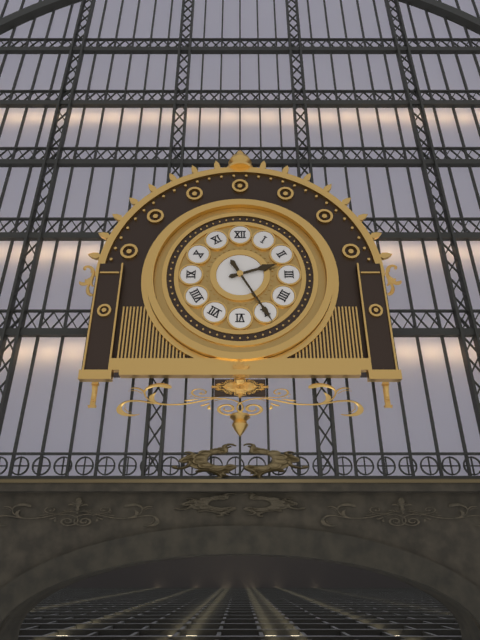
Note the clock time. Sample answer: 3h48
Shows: 2h25
